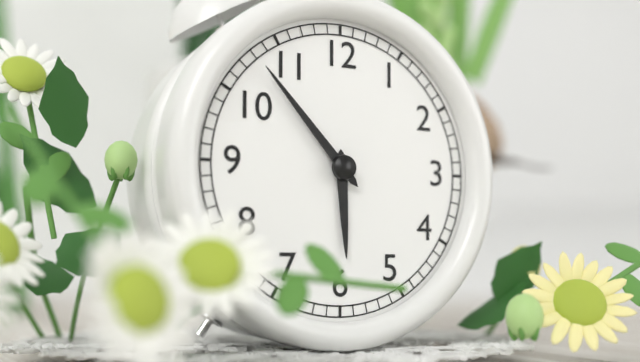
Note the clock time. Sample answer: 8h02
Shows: 5h53
